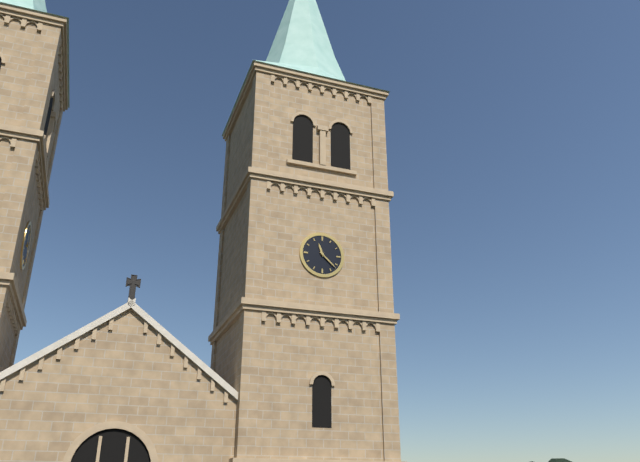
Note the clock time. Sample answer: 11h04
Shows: 11h22
